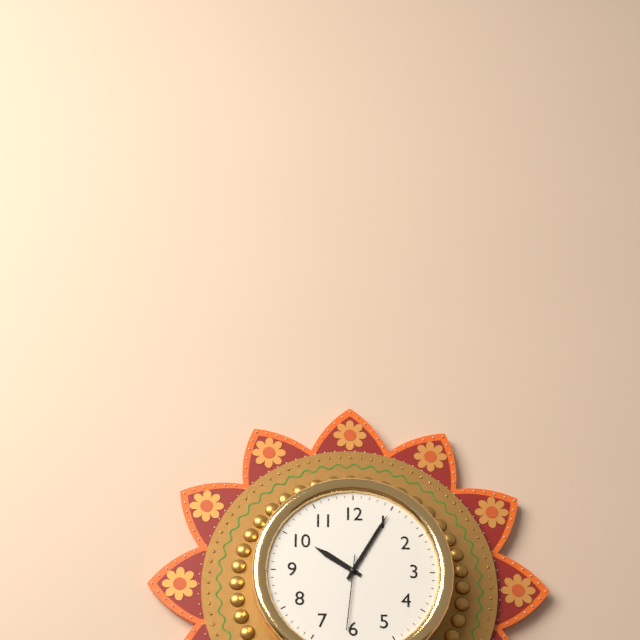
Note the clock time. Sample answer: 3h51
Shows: 10h05
